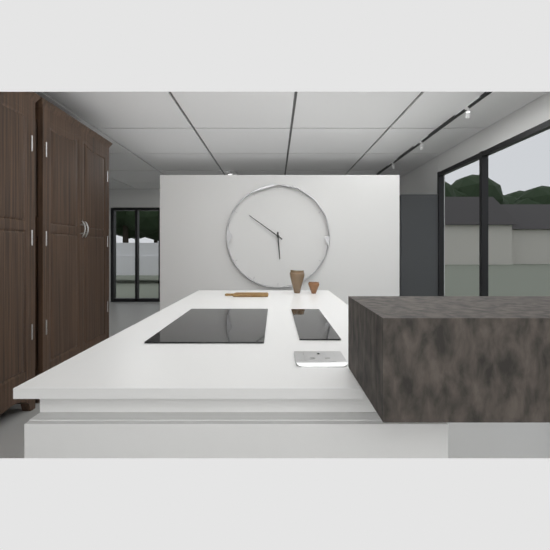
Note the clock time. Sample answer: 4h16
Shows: 5h51
